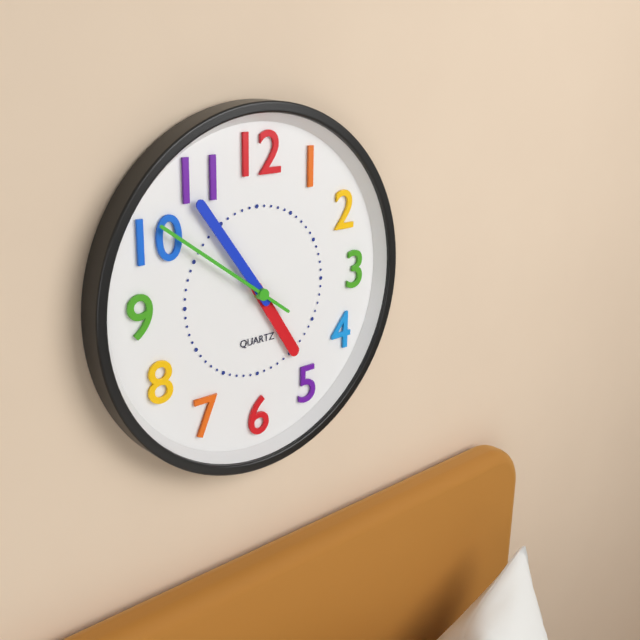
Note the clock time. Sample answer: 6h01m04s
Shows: 4h54m51s
